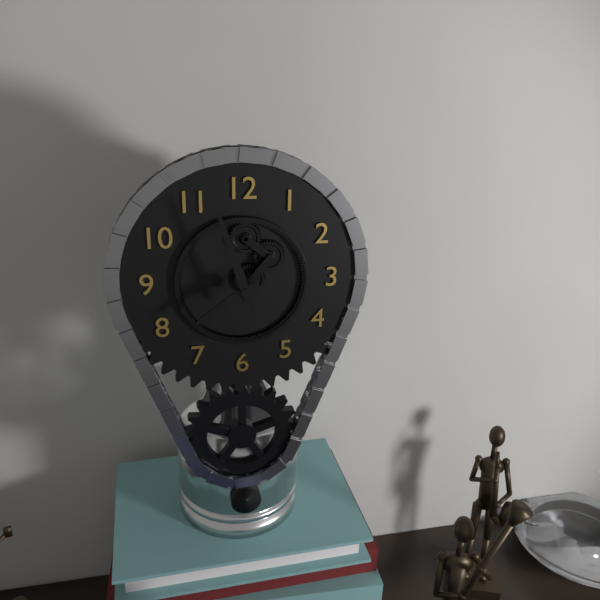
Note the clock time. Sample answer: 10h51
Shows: 7h57
